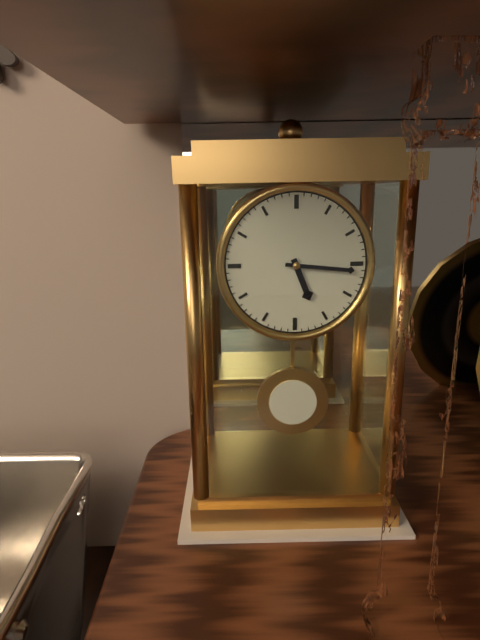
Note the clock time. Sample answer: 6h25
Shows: 5h16
